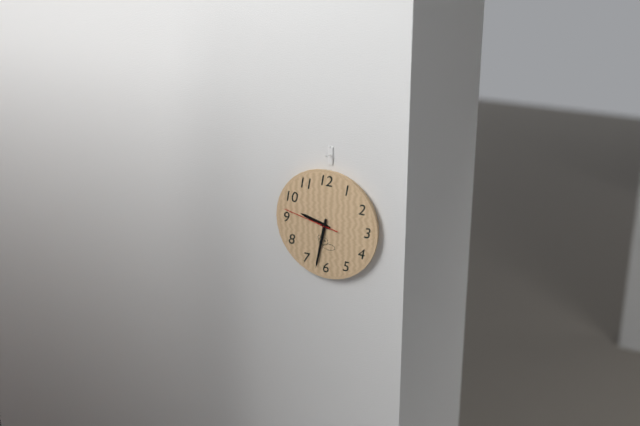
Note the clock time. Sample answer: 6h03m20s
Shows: 9h32m47s
